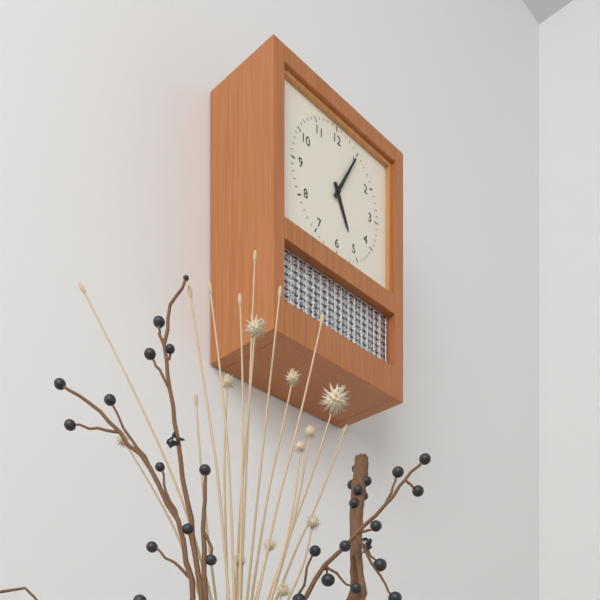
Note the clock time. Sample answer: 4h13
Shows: 5h05
